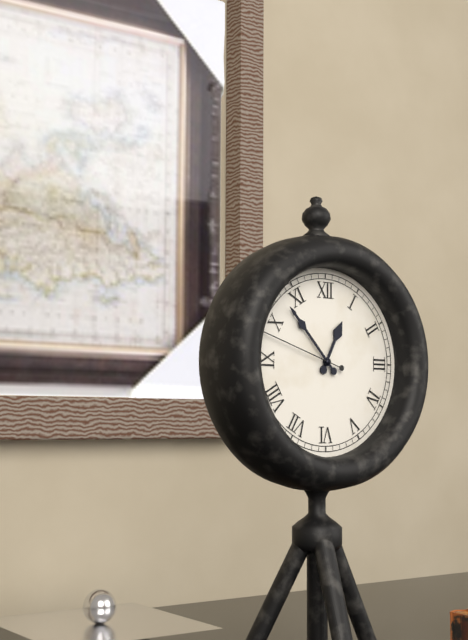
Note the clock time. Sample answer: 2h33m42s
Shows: 12h53m48s
